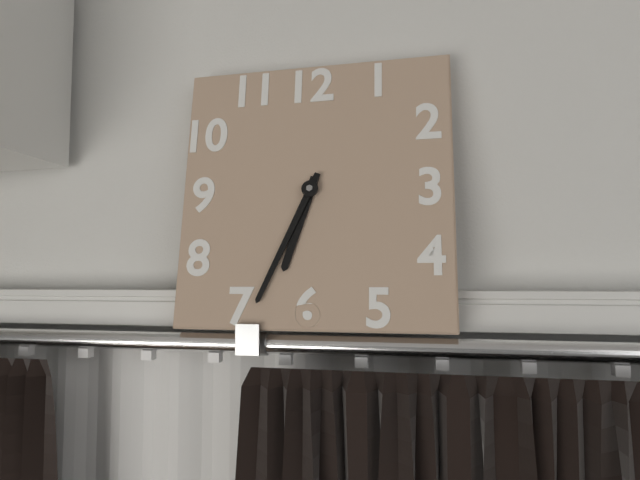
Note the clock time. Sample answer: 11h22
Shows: 6h34
